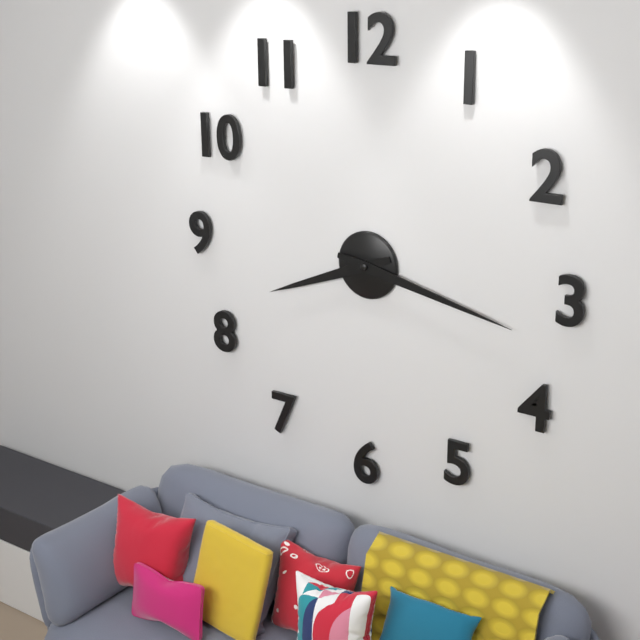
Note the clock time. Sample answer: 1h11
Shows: 8h17
